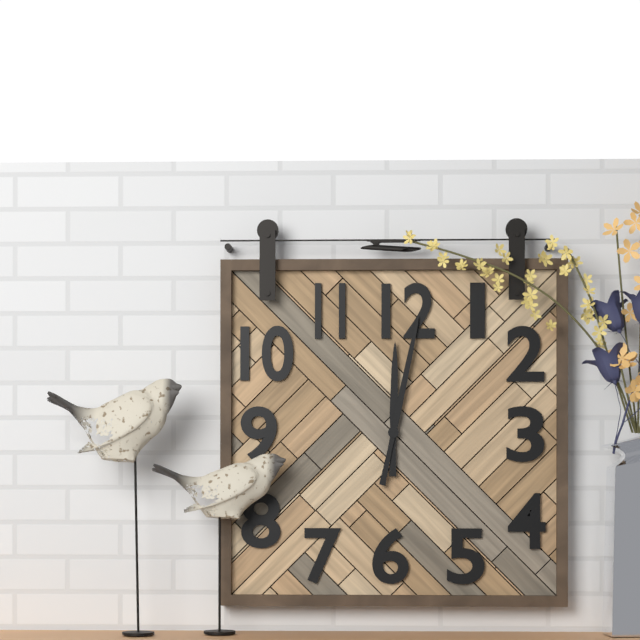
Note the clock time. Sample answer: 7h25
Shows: 12h02
